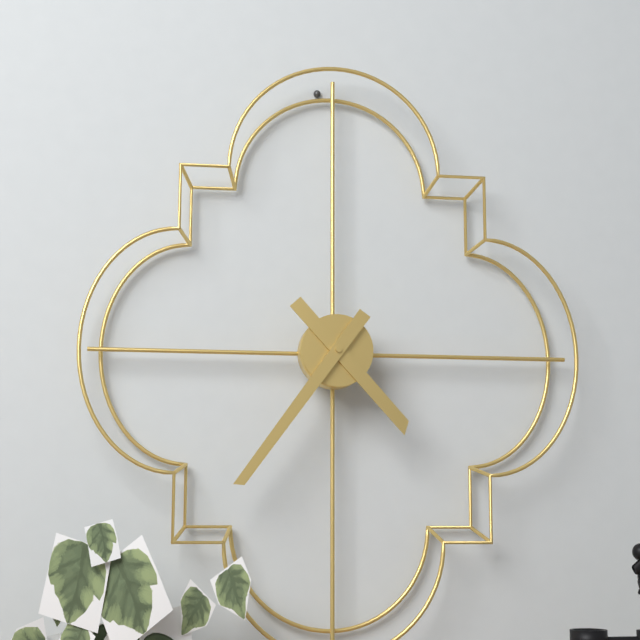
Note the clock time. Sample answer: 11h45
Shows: 4h36
